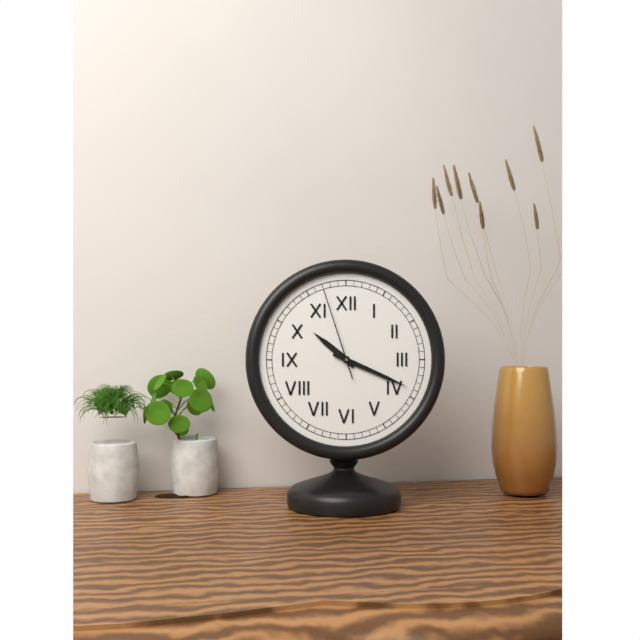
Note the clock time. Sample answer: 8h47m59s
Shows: 10h19m57s
